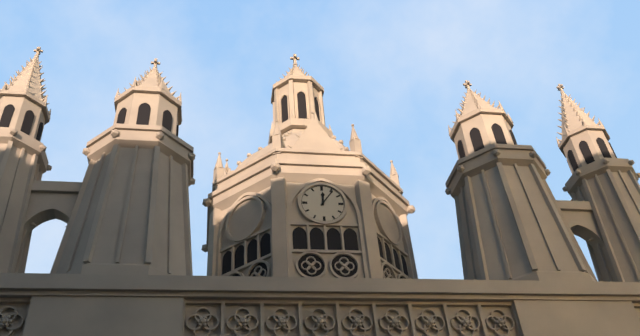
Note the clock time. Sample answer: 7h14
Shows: 12h06
